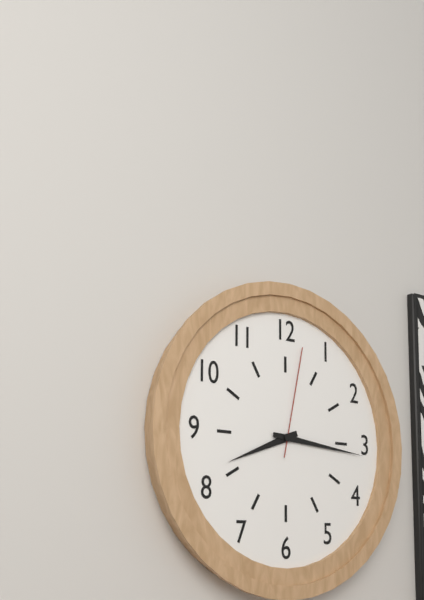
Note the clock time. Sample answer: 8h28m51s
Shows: 8h16m02s
